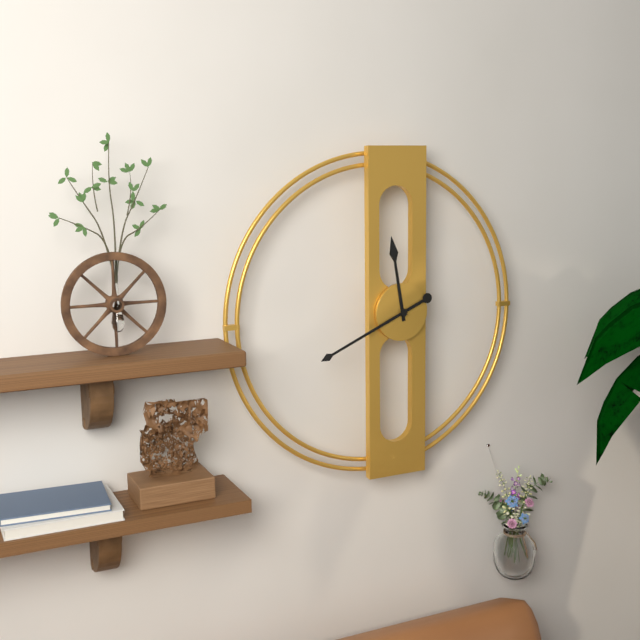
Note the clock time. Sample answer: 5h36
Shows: 11h41
